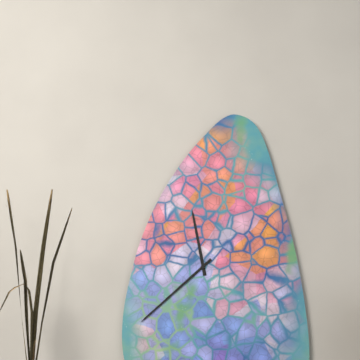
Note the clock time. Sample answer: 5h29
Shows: 11h38
